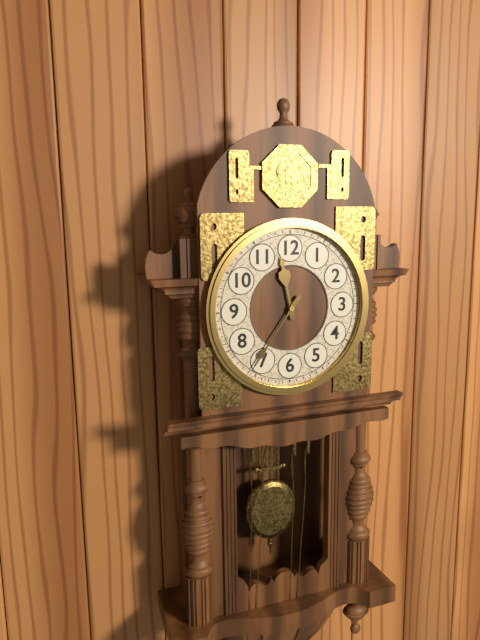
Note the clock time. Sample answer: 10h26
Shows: 11h36
